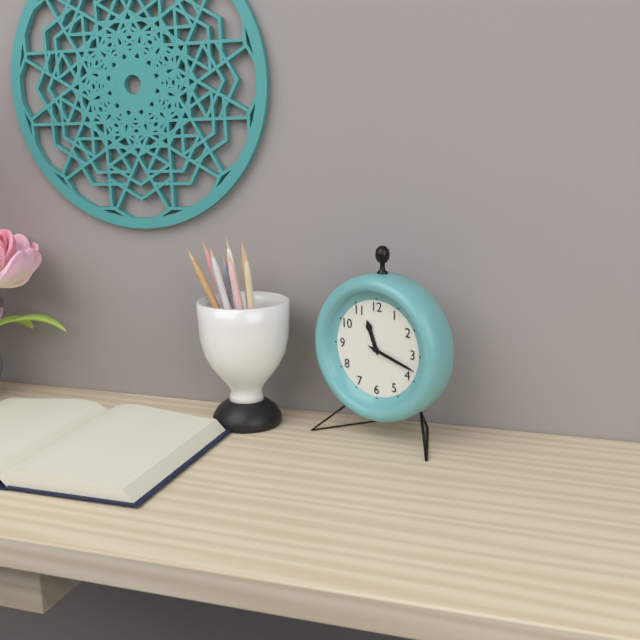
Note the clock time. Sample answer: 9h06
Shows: 11h18
